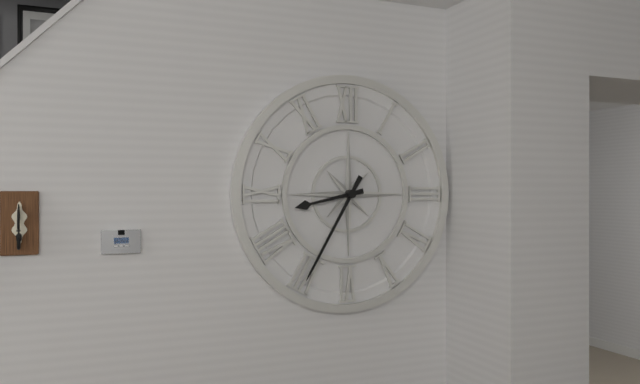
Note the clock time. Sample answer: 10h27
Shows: 8h35
